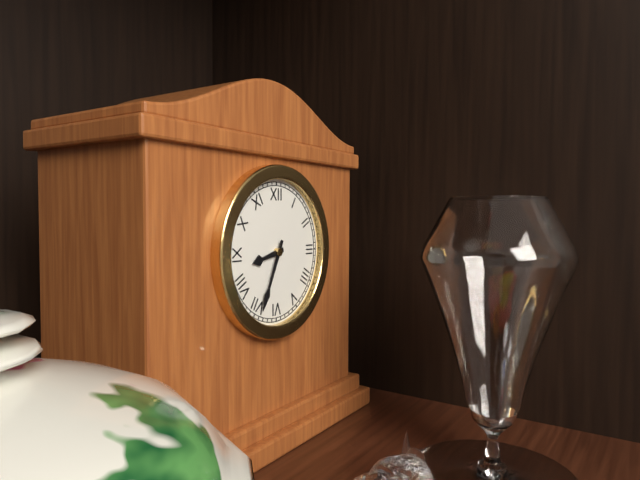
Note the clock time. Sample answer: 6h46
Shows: 8h34
